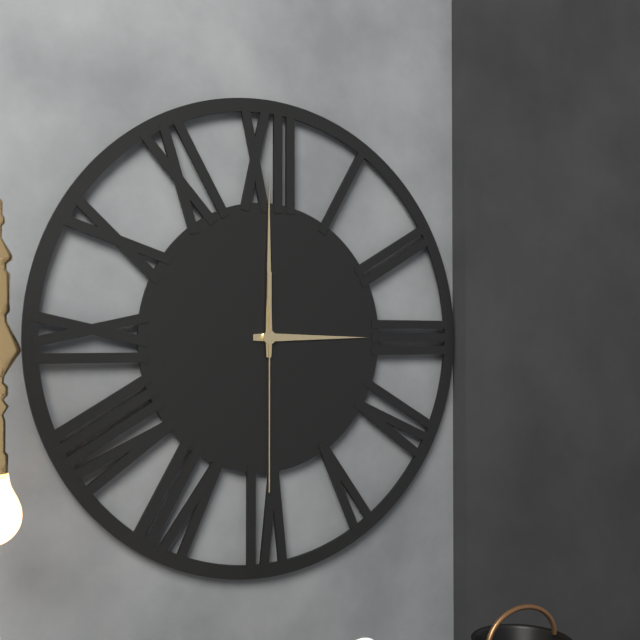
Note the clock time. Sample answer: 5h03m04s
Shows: 3h00m30s
